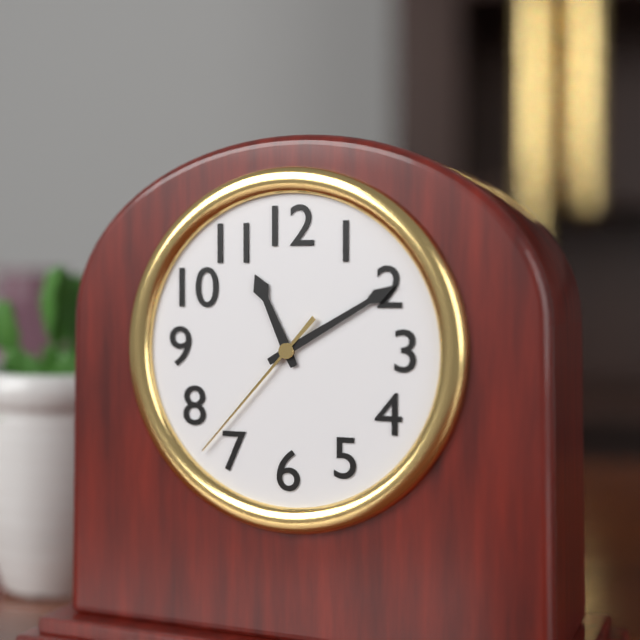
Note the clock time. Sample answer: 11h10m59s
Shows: 11h10m37s
